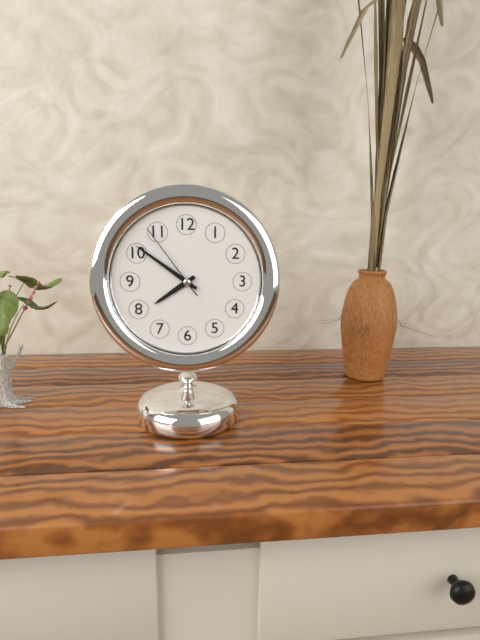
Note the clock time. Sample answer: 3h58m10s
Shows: 7h51m54s
